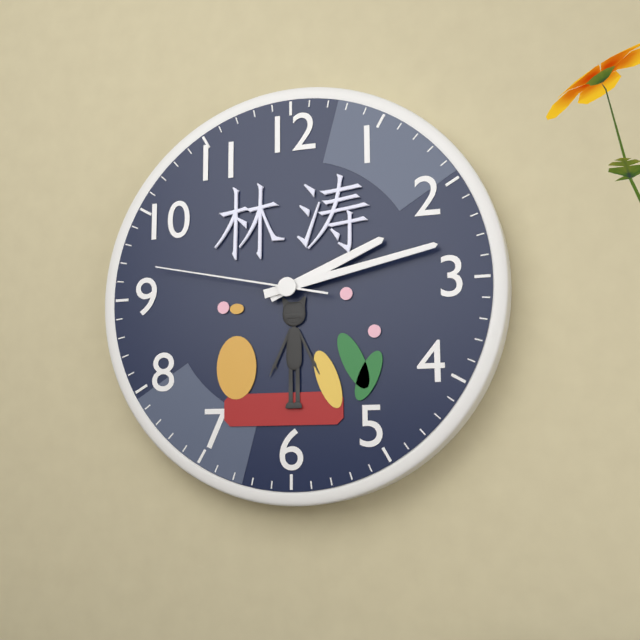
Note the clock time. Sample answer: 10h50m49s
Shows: 2h13m47s
